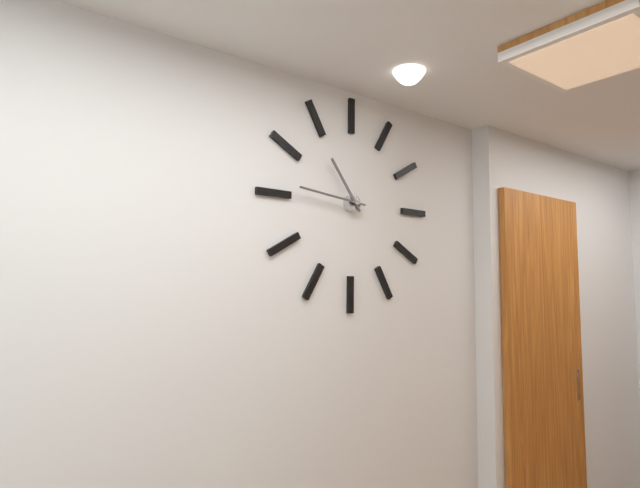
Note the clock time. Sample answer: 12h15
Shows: 10h46
